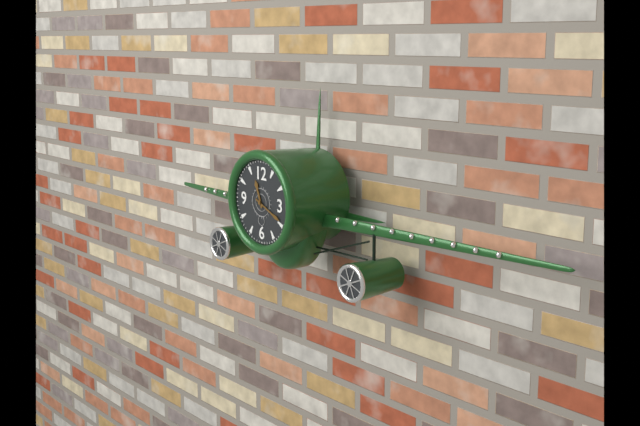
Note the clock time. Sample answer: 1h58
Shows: 11h19
